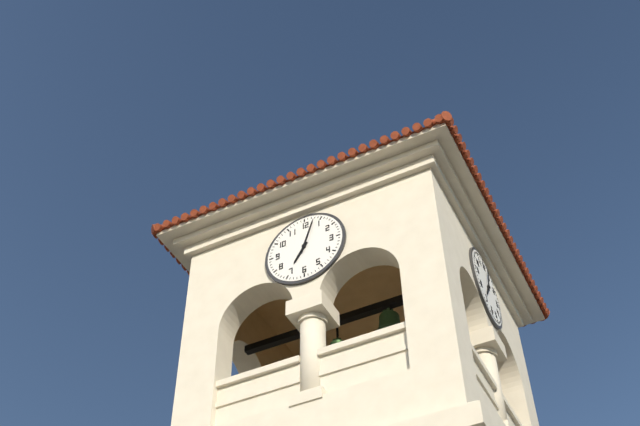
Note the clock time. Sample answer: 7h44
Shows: 7h03
